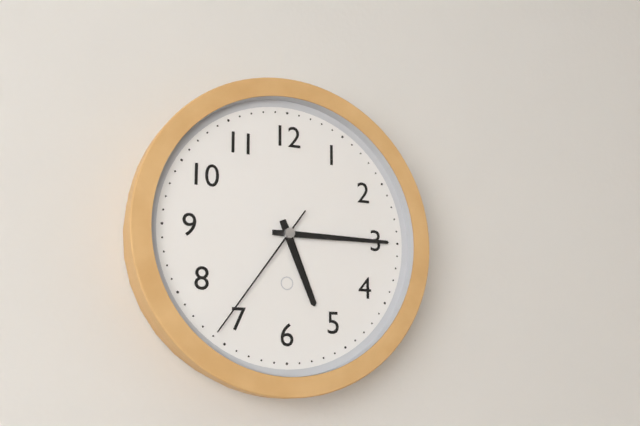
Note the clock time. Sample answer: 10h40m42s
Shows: 5h15m36s
